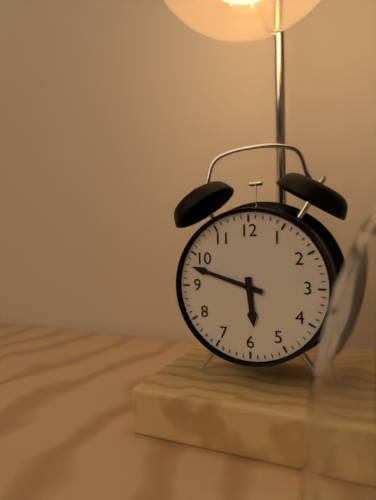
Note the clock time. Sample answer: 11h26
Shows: 5h48
